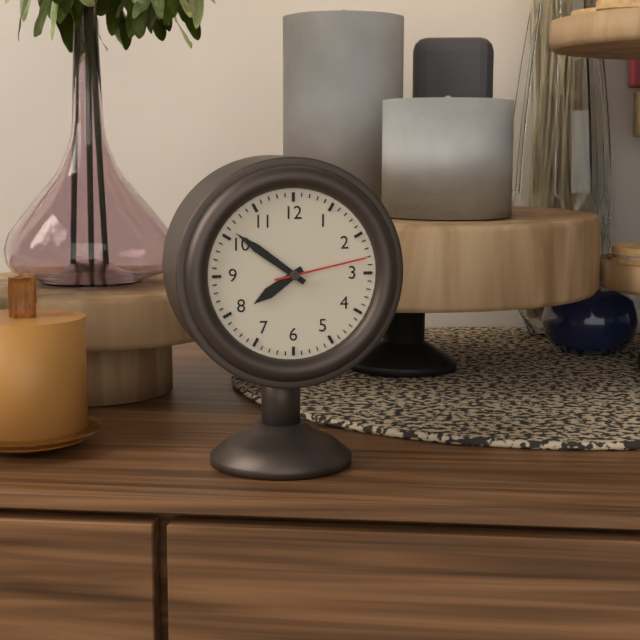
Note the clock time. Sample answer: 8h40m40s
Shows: 7h51m13s
